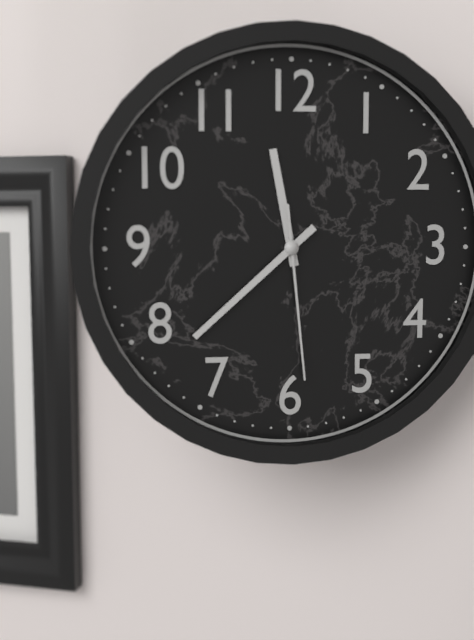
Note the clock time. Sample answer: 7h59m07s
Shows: 11h38m29s
